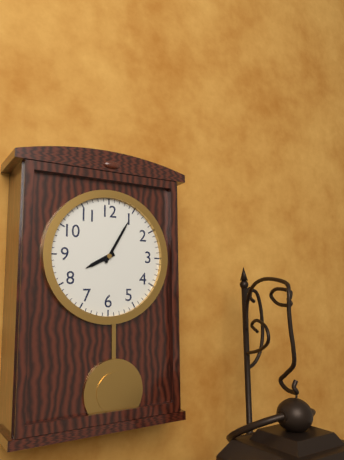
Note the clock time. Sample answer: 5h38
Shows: 8h05
